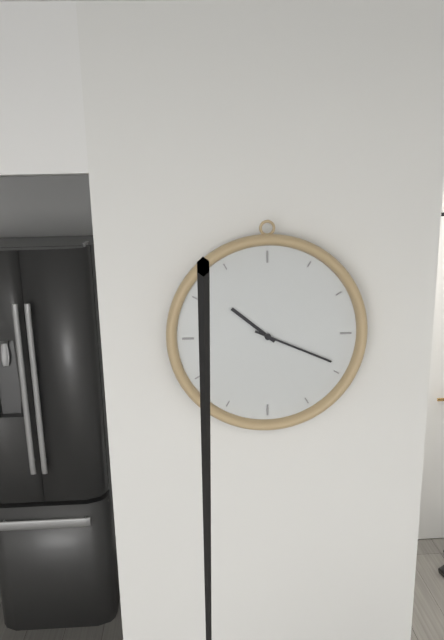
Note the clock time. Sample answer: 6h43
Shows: 10h19
